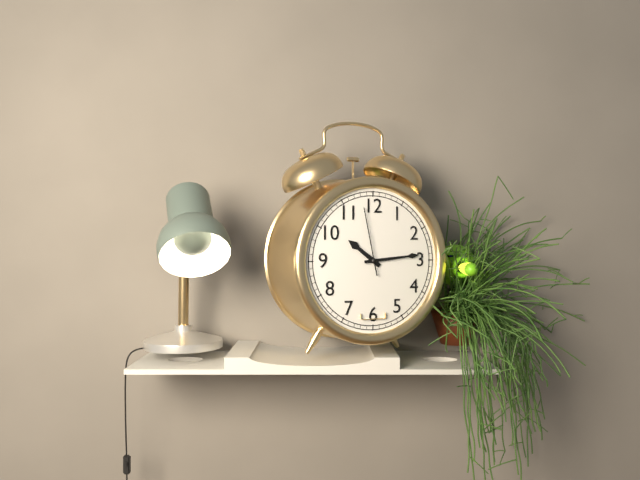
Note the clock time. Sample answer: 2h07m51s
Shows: 10h14m58s
